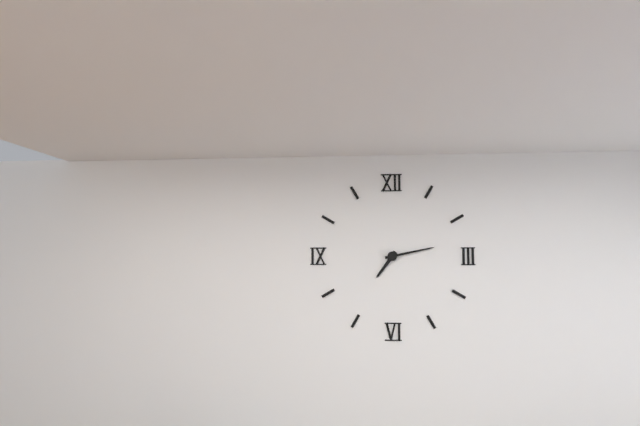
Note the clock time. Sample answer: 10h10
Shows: 7h13
